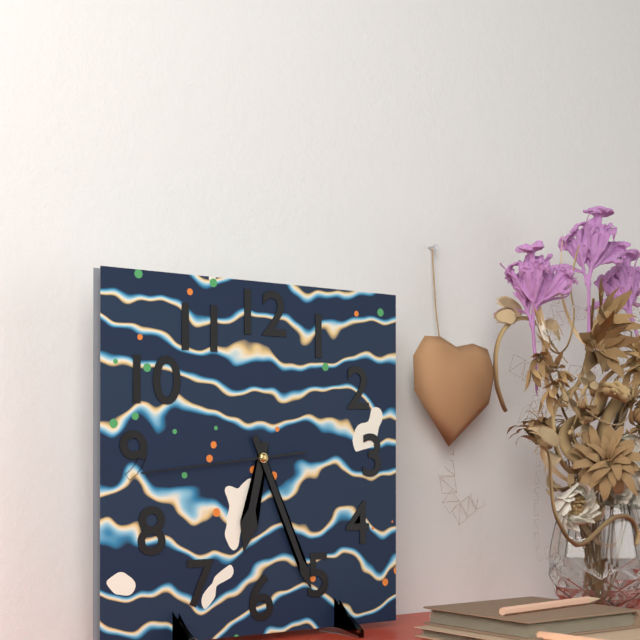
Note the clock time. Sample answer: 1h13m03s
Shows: 6h26m44s
